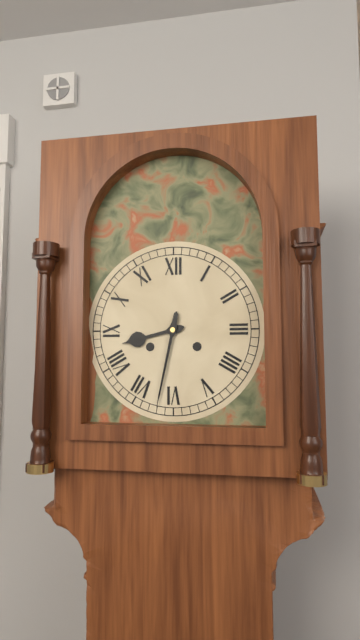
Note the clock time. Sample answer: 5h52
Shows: 8h32
